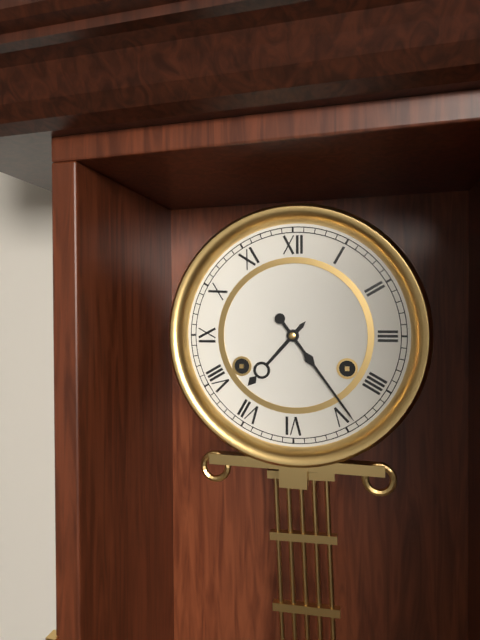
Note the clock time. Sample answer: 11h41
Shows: 7h24
